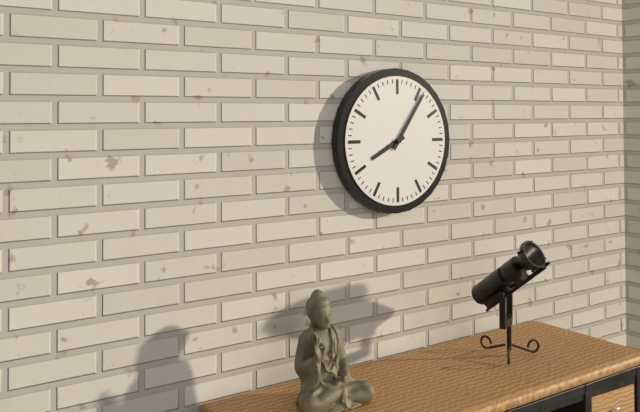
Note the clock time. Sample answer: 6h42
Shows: 8h06
